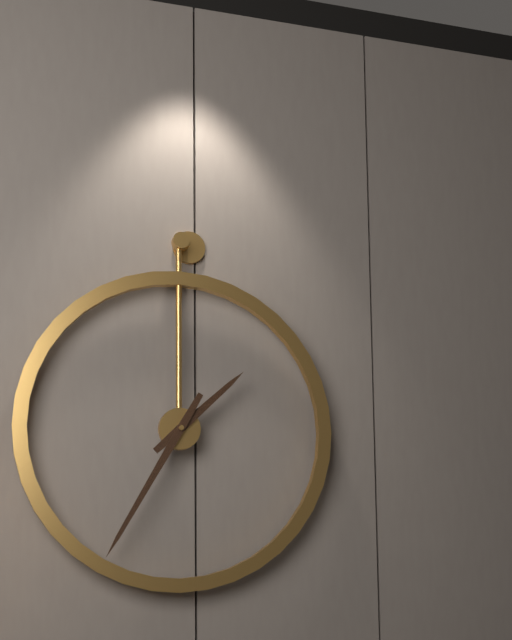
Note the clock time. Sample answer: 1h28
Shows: 1h35
